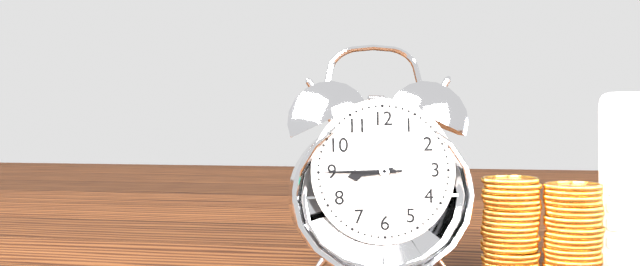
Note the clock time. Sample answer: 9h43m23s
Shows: 8h45m45s
